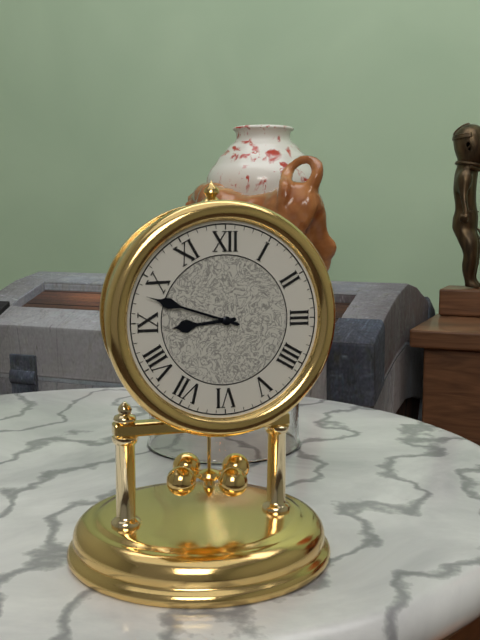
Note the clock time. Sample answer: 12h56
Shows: 8h48
